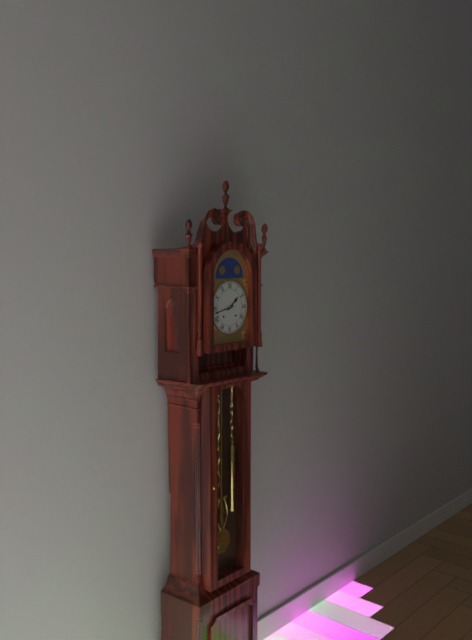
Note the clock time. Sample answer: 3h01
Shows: 1h43
